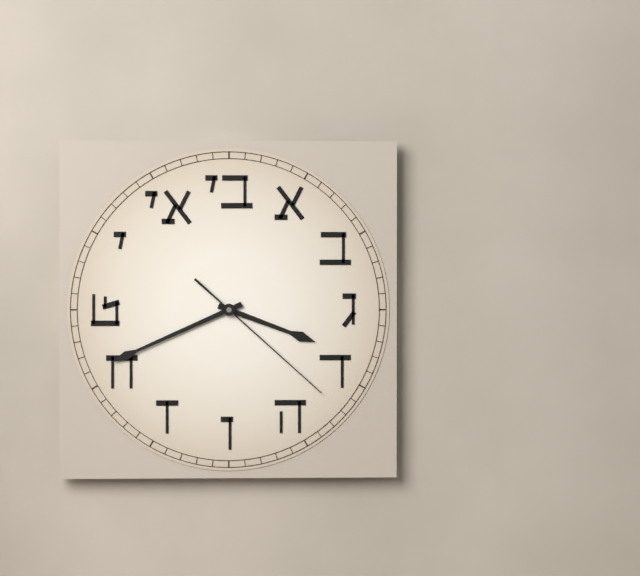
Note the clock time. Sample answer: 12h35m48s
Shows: 3h41m22s
